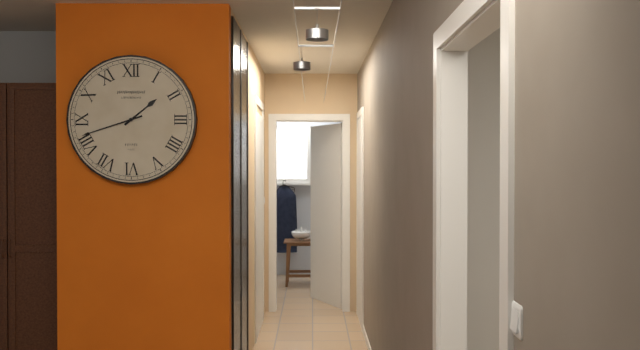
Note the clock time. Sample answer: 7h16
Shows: 1h42
